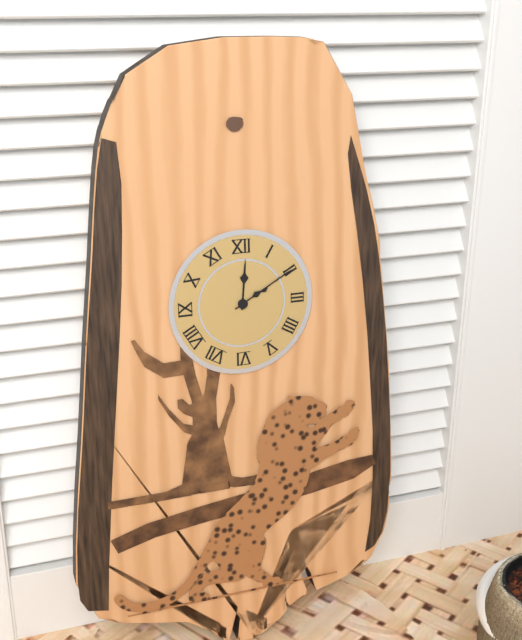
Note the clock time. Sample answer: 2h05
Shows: 12h10
